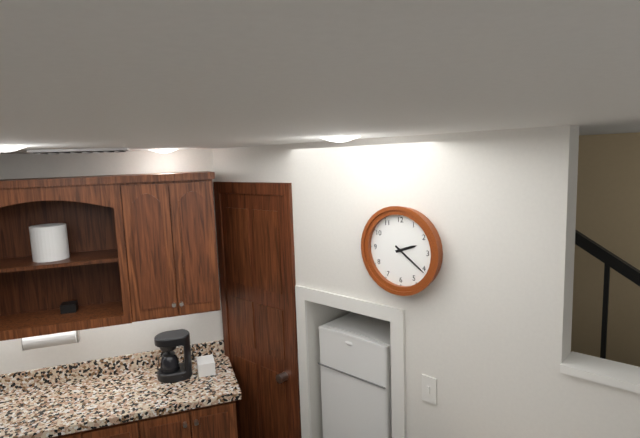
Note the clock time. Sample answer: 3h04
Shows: 2h21
